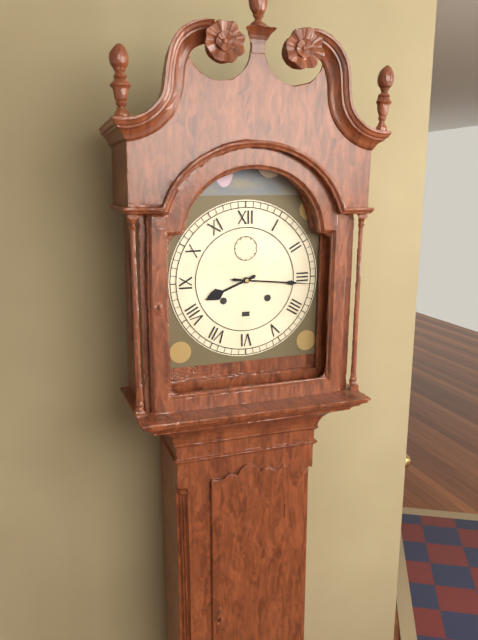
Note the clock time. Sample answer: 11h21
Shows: 8h16
